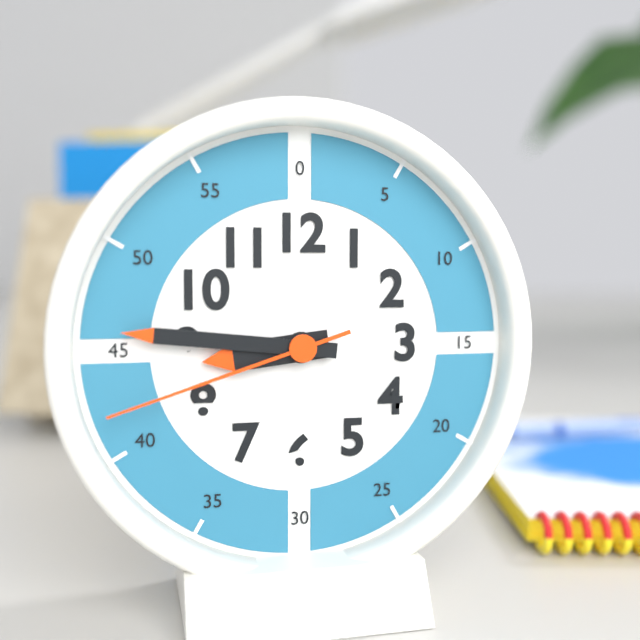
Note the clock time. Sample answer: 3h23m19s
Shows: 8h46m42s
